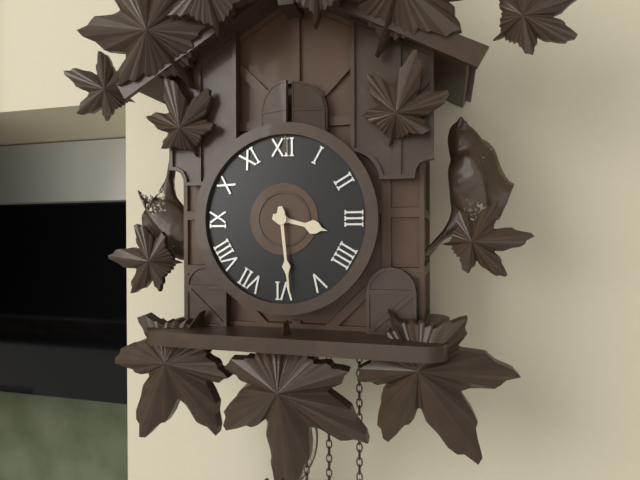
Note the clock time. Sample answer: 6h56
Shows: 3h29
